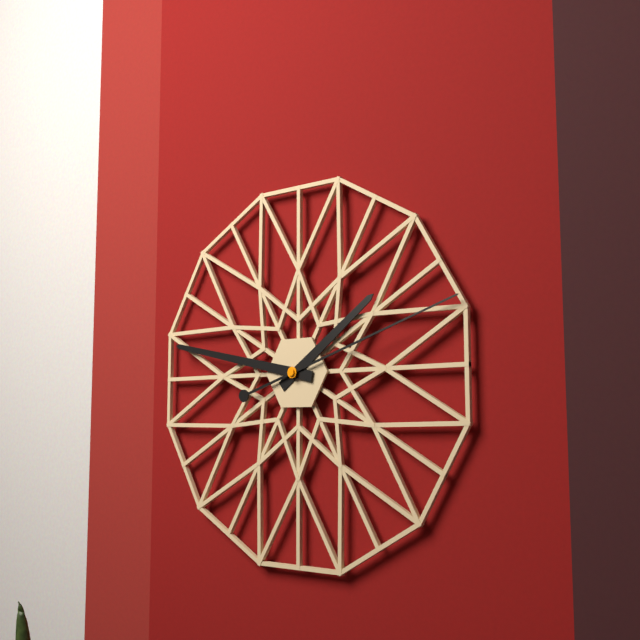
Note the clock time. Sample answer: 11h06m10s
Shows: 1h47m12s
